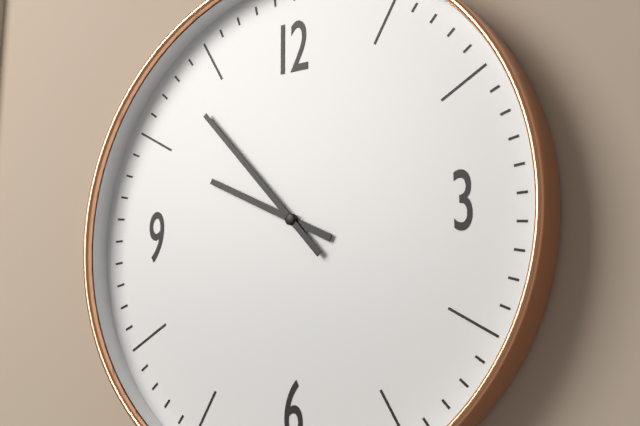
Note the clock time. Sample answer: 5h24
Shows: 9h53
